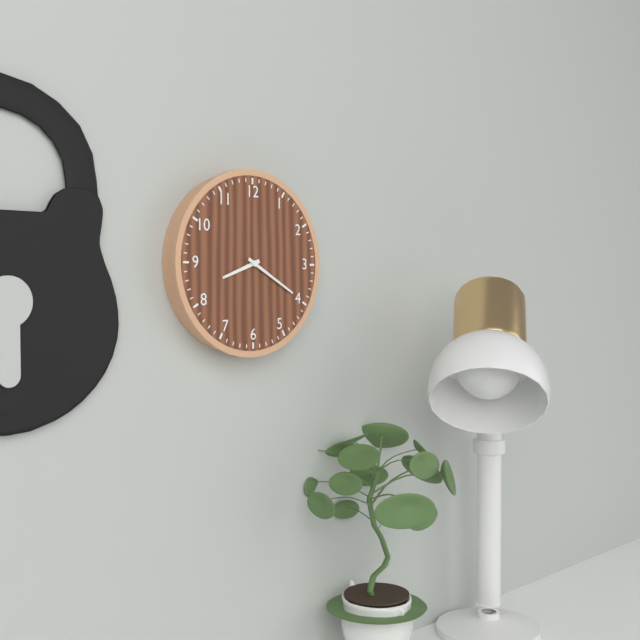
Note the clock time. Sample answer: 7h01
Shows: 8h20
